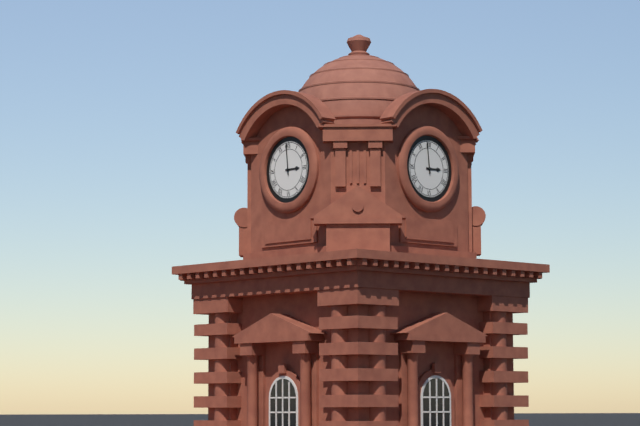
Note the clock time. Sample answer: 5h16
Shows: 2h59
